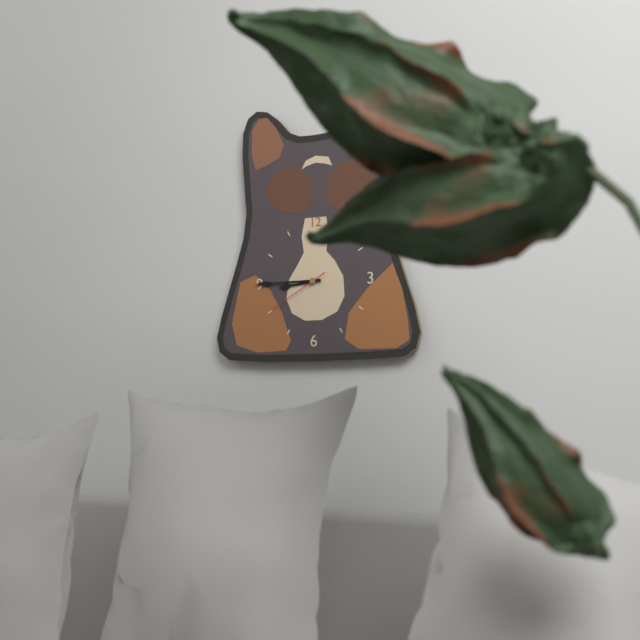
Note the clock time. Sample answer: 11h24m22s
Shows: 8h45m40s
